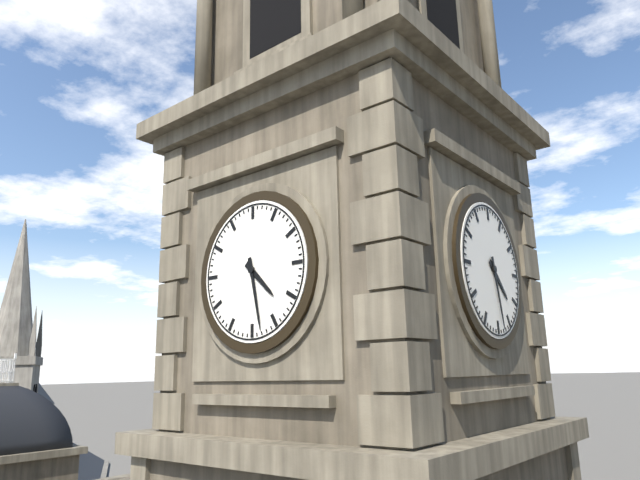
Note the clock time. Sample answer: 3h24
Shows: 4h28
